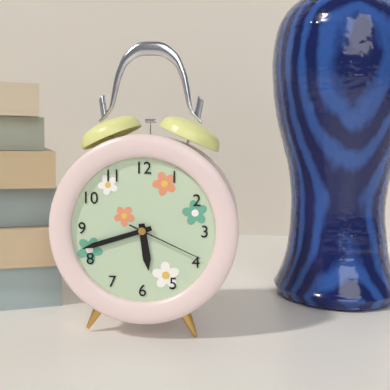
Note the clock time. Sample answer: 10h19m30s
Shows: 5h42m19s
